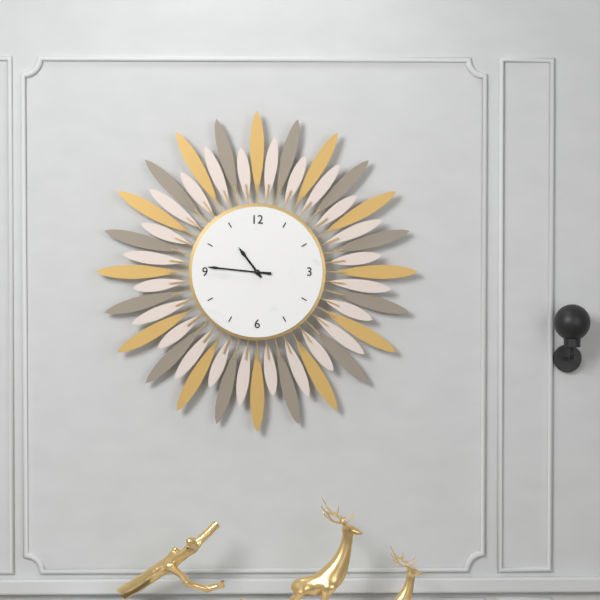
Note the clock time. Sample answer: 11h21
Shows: 10h46
